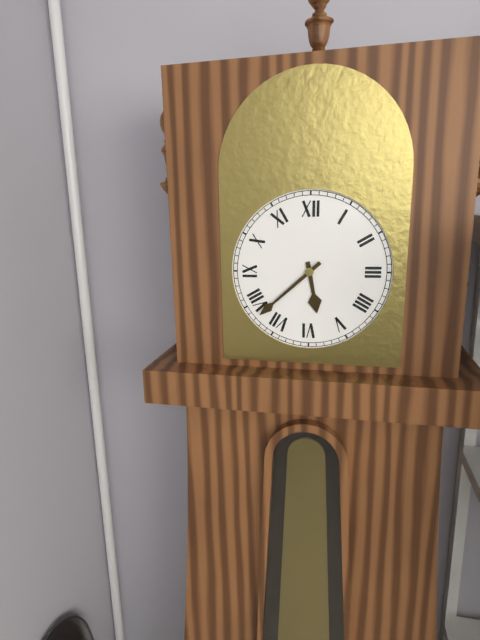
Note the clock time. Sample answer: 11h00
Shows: 5h38
